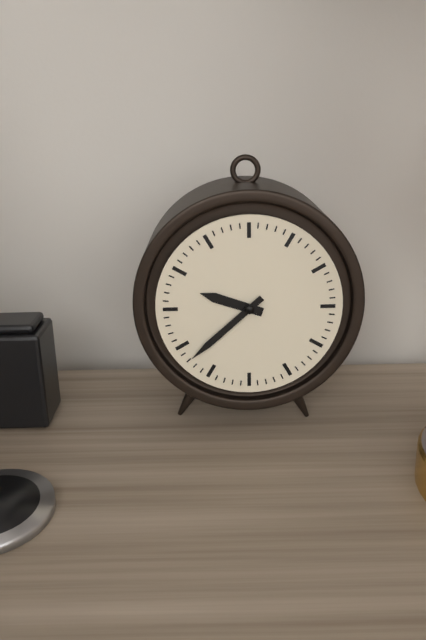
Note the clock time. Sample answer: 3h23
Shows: 9h38
